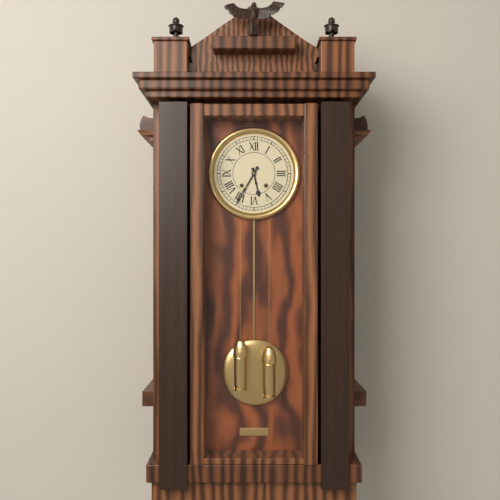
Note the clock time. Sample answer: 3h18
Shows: 5h35
